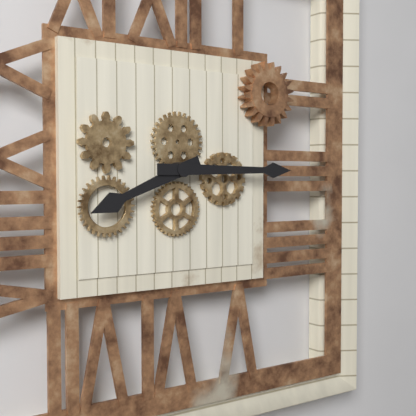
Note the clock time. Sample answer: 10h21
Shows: 8h15
